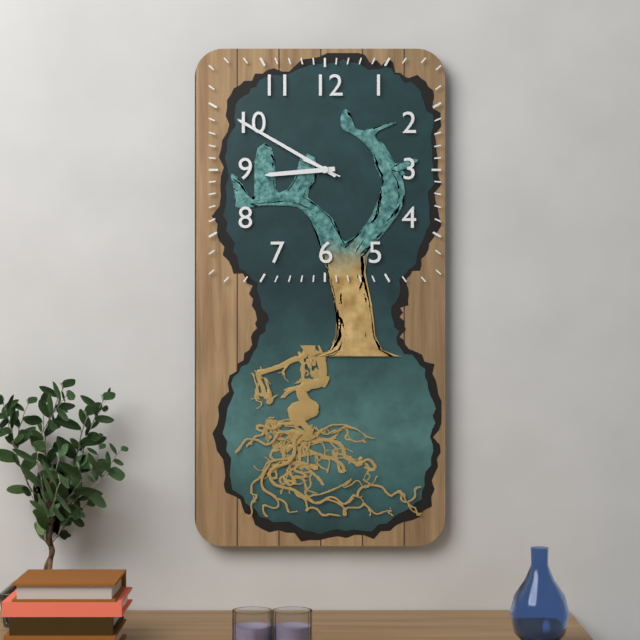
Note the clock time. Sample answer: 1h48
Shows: 8h50
